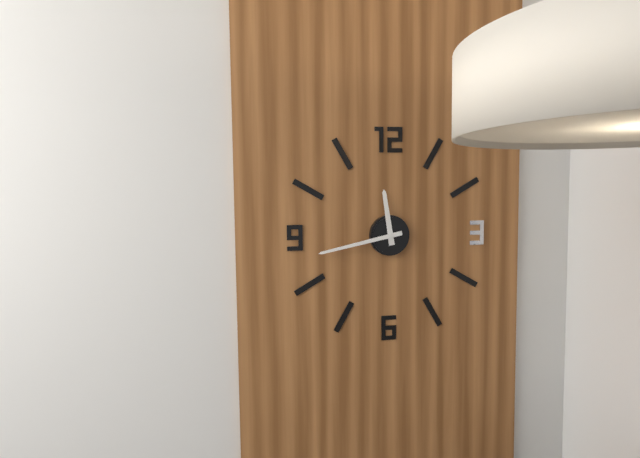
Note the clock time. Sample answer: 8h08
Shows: 11h43
